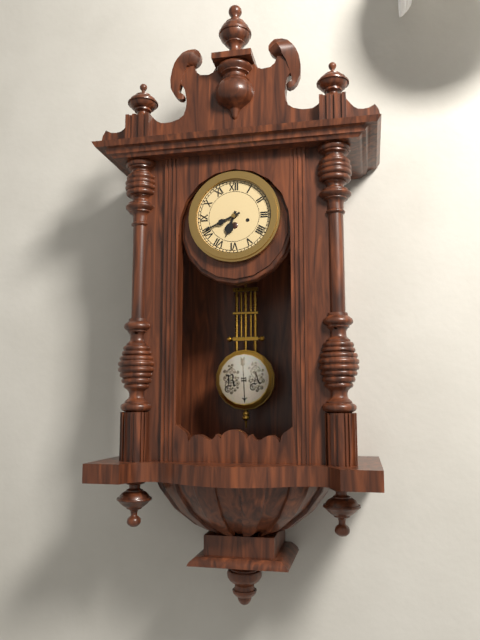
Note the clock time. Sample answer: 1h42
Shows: 6h41
